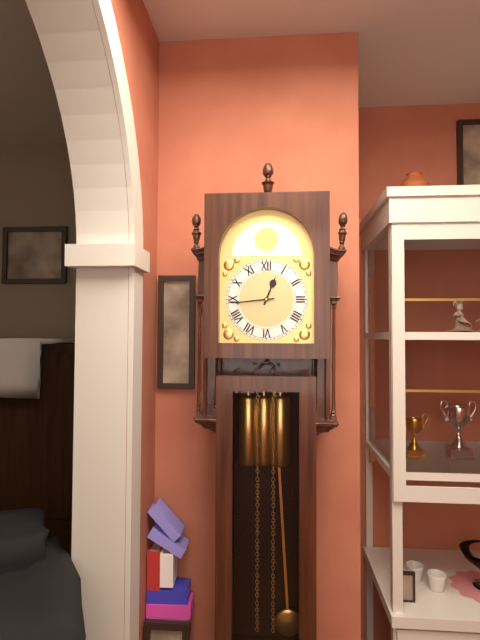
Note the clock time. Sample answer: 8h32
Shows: 12h44
